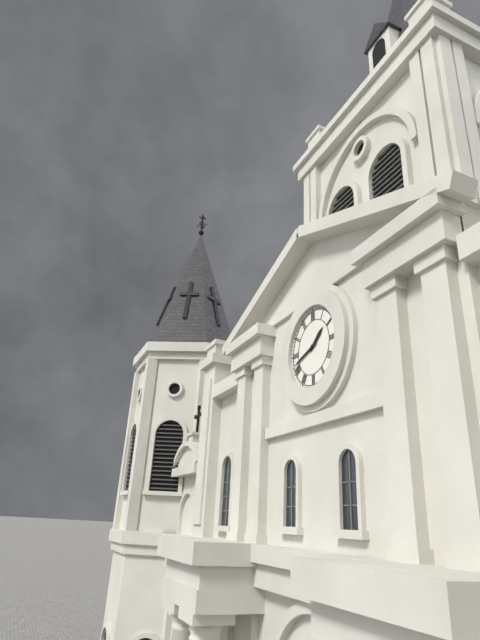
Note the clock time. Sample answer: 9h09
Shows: 1h42
